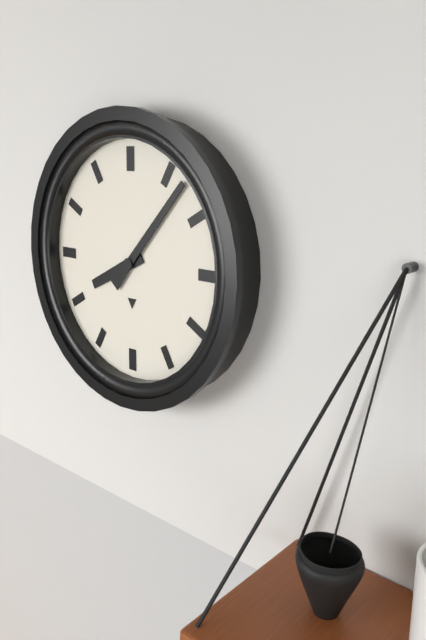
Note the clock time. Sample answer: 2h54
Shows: 8h07
